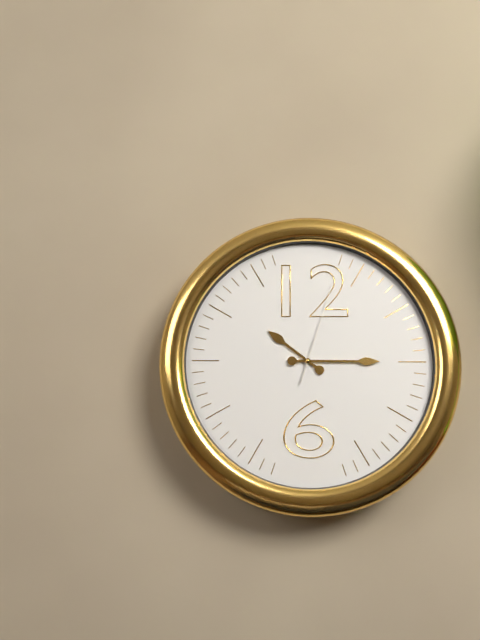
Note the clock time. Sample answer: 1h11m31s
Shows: 10h15m03s
